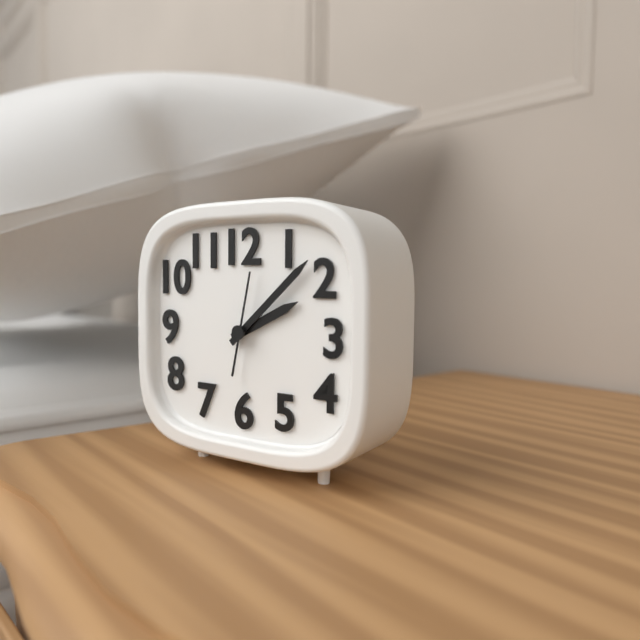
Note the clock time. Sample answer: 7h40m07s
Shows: 2h08m02s
